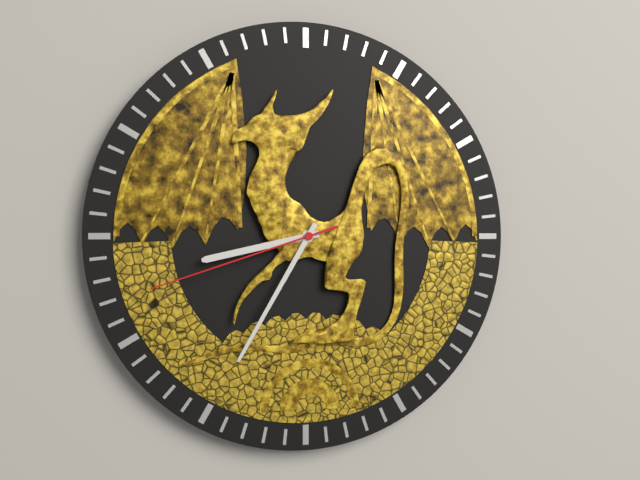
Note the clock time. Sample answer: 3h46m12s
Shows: 8h35m42s
